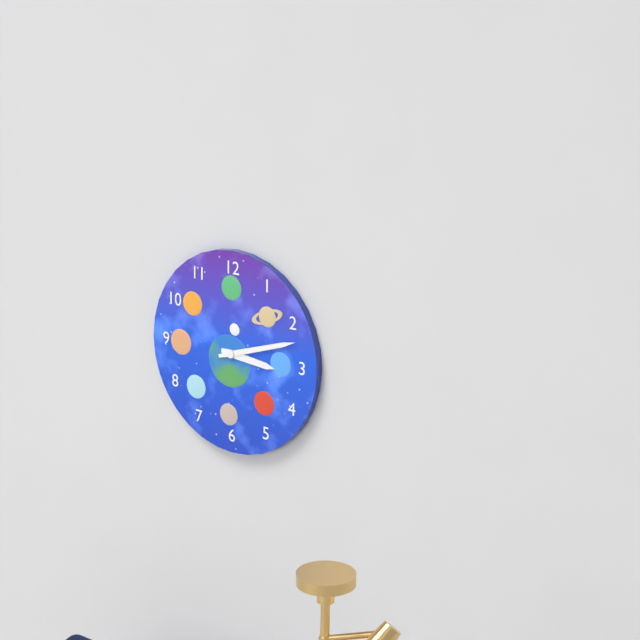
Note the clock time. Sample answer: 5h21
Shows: 3h12
